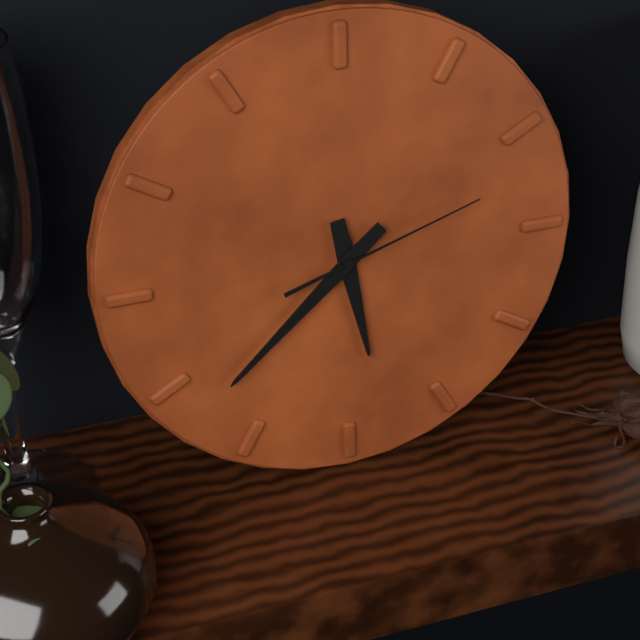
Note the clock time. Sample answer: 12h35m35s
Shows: 5h38m12s
